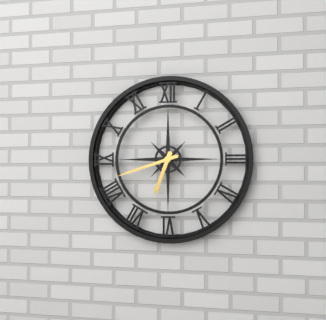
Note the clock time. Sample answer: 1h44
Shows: 6h42
